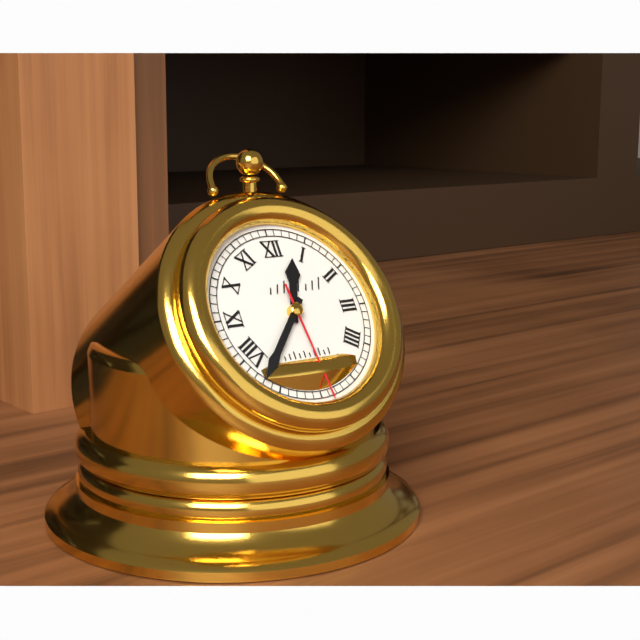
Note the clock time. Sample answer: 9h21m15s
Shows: 12h37m29s
